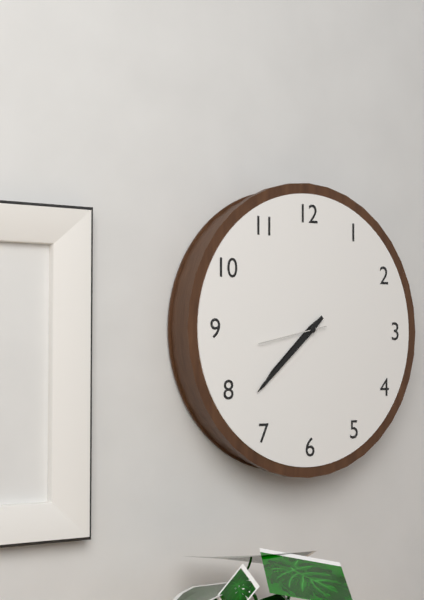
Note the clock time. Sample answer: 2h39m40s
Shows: 7h38m43s
